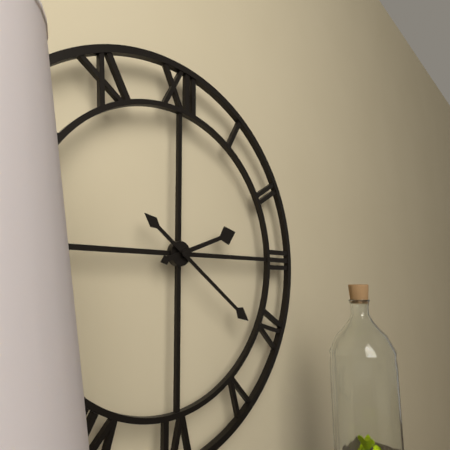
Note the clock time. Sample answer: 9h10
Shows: 2h21
